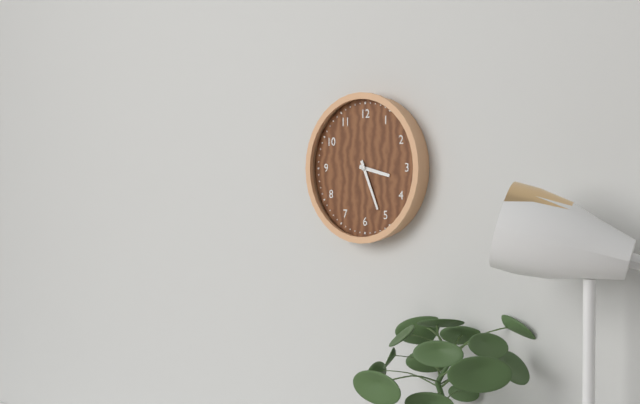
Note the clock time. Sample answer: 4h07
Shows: 3h26
